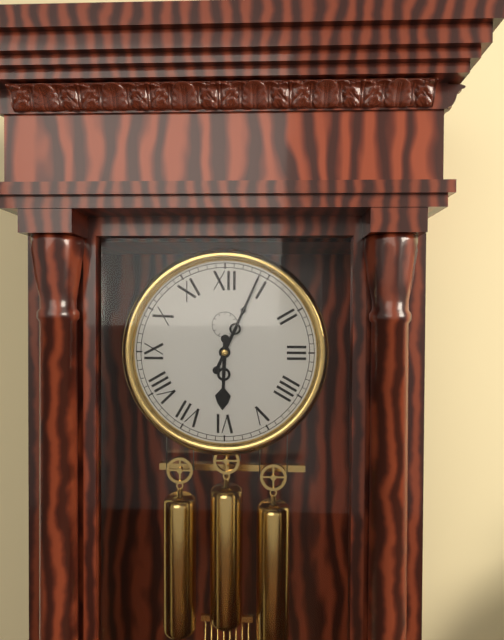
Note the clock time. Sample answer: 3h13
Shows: 6h04
